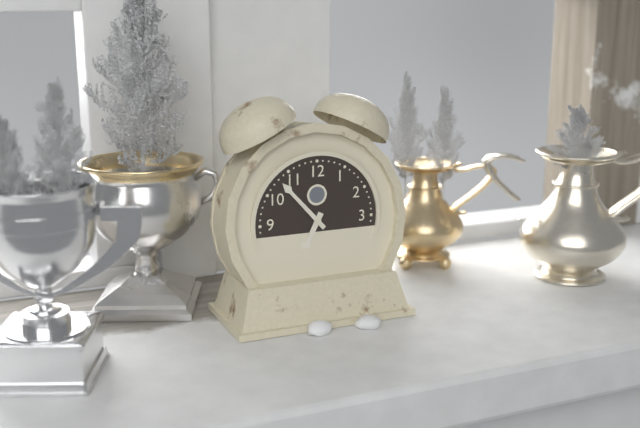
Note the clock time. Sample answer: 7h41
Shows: 6h53
